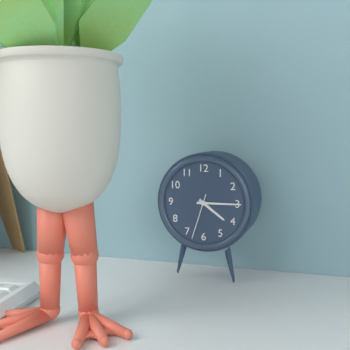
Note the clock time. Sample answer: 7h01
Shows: 4h15
